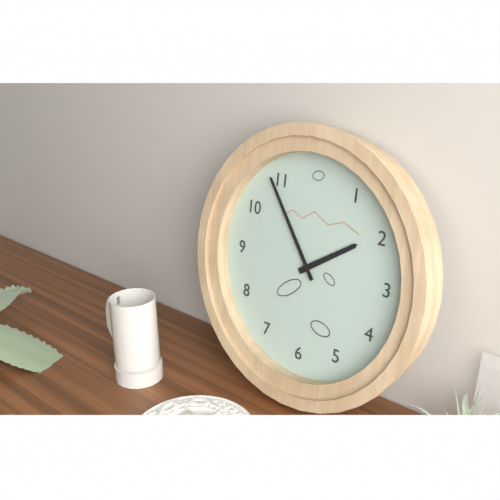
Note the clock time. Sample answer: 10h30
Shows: 1h54
